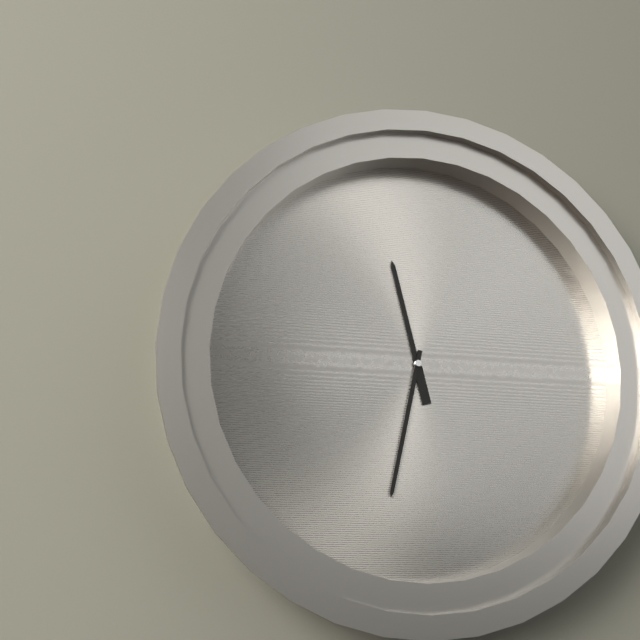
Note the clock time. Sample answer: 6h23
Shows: 11h32
